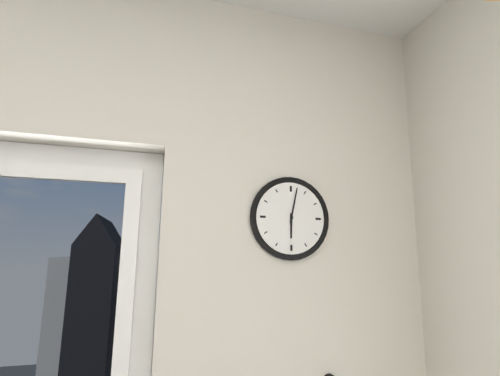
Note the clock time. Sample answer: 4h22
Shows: 6h02
